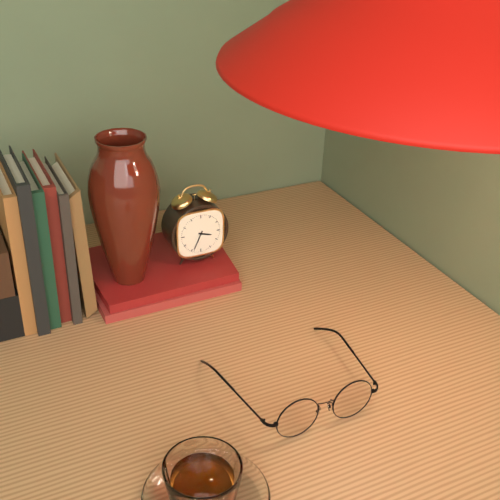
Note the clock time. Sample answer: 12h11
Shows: 3h34
